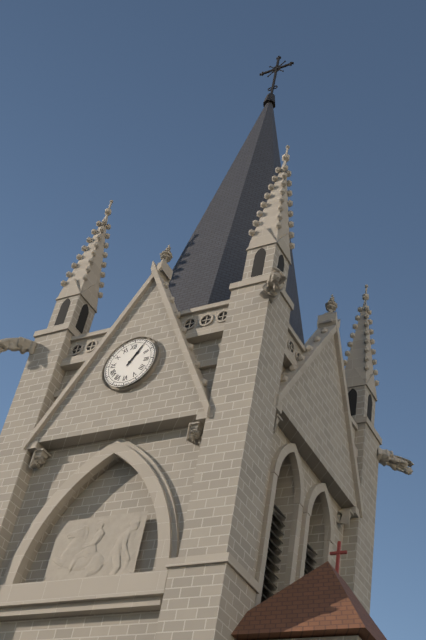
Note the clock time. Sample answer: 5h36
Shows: 1h05
